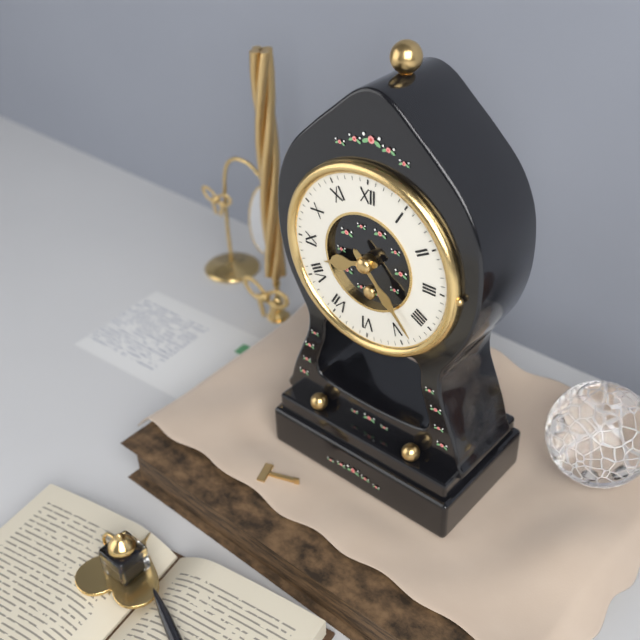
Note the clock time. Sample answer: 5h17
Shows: 8h23
